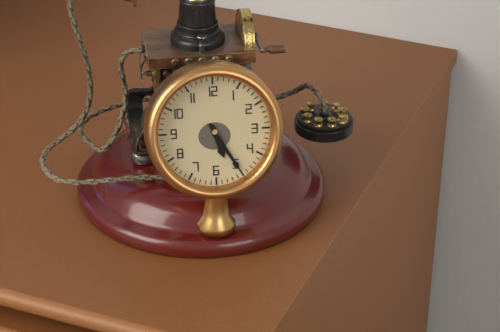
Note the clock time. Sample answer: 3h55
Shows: 5h25
